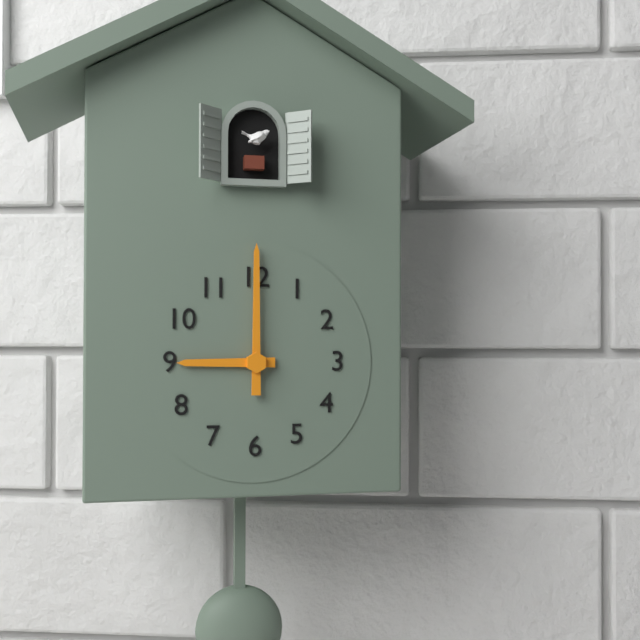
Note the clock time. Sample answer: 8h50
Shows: 9h00
